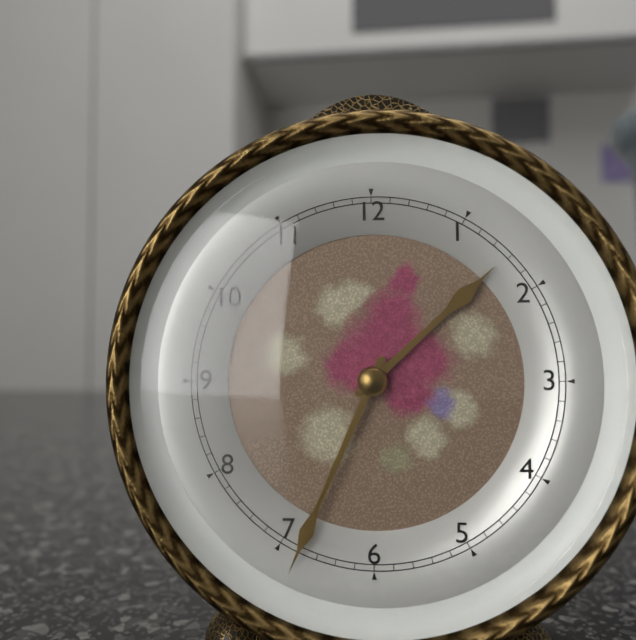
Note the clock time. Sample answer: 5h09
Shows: 1h34
